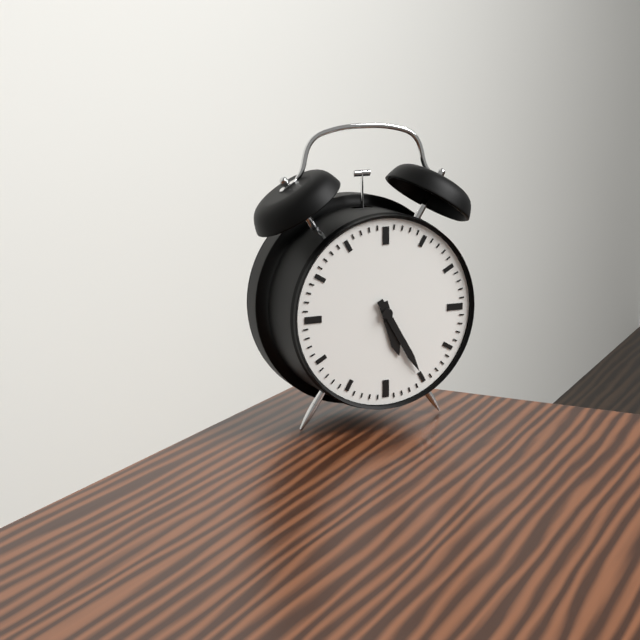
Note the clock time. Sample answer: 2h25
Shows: 5h25
